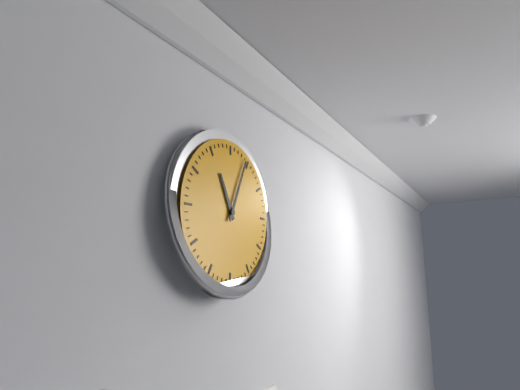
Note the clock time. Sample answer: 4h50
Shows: 11h04
